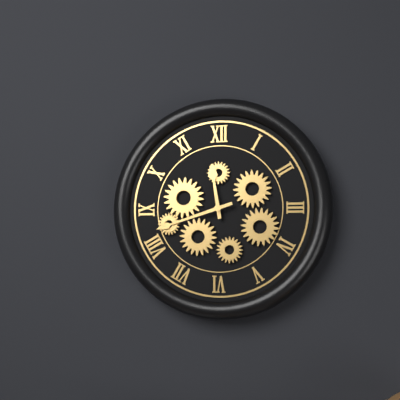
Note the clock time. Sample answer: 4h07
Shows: 11h42
